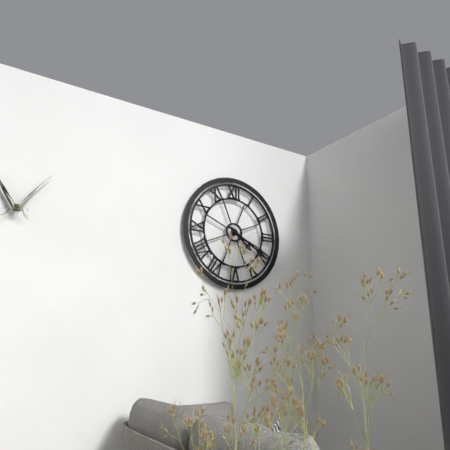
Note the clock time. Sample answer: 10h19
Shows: 4h20
